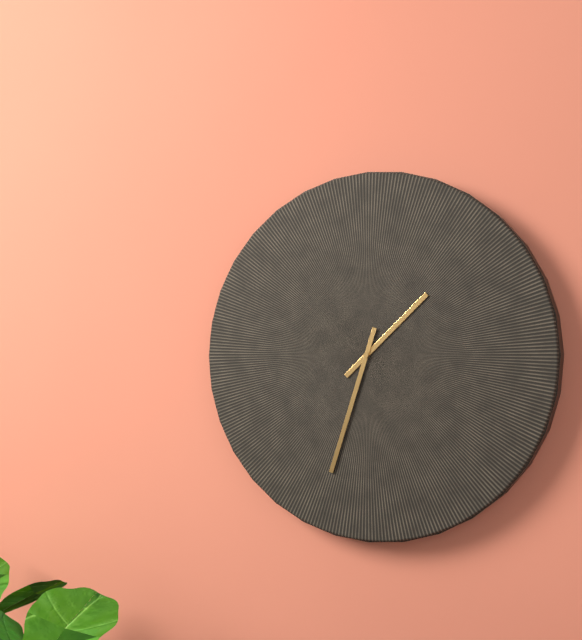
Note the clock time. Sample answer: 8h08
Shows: 1h33
